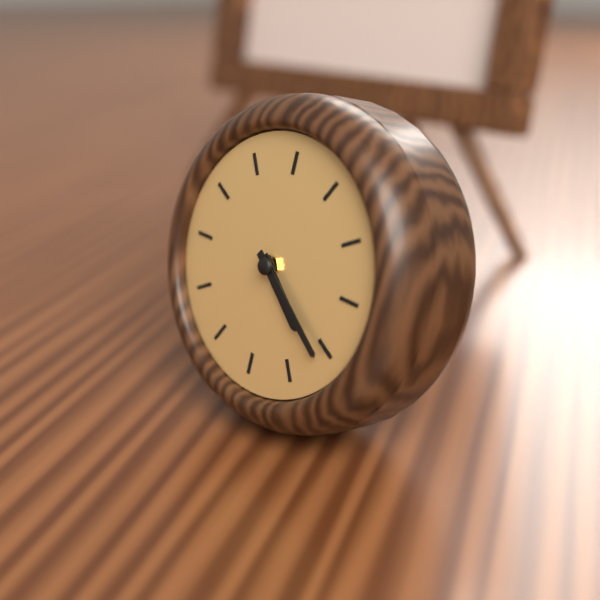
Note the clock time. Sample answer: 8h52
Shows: 4h21
